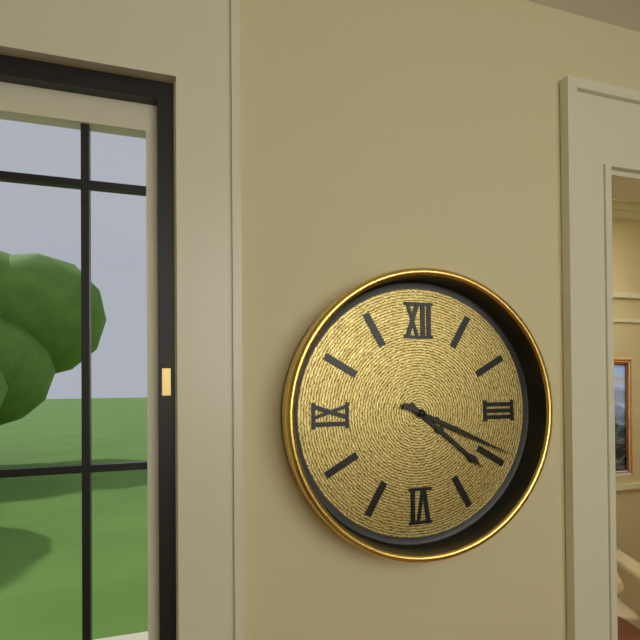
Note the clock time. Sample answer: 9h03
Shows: 4h19
